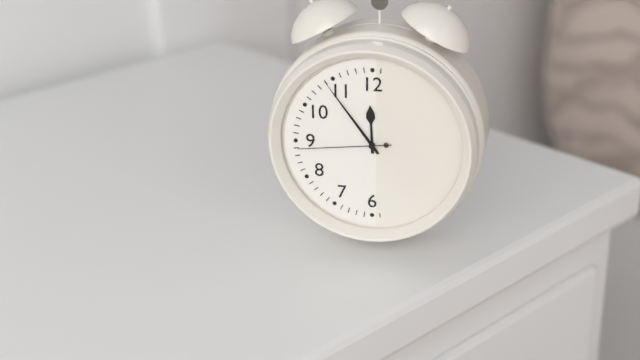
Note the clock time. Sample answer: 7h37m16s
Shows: 11h54m44s
